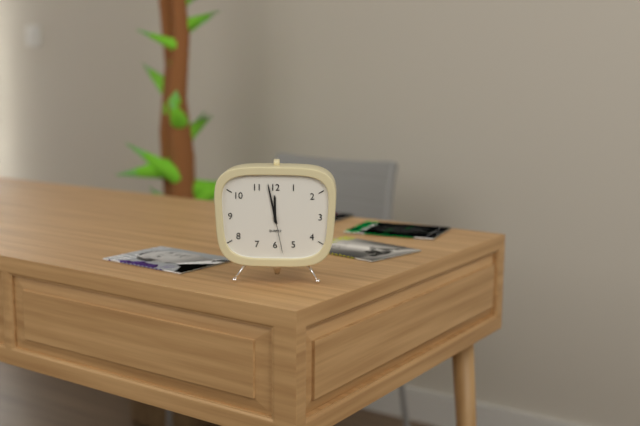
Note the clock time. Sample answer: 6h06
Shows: 11h58
